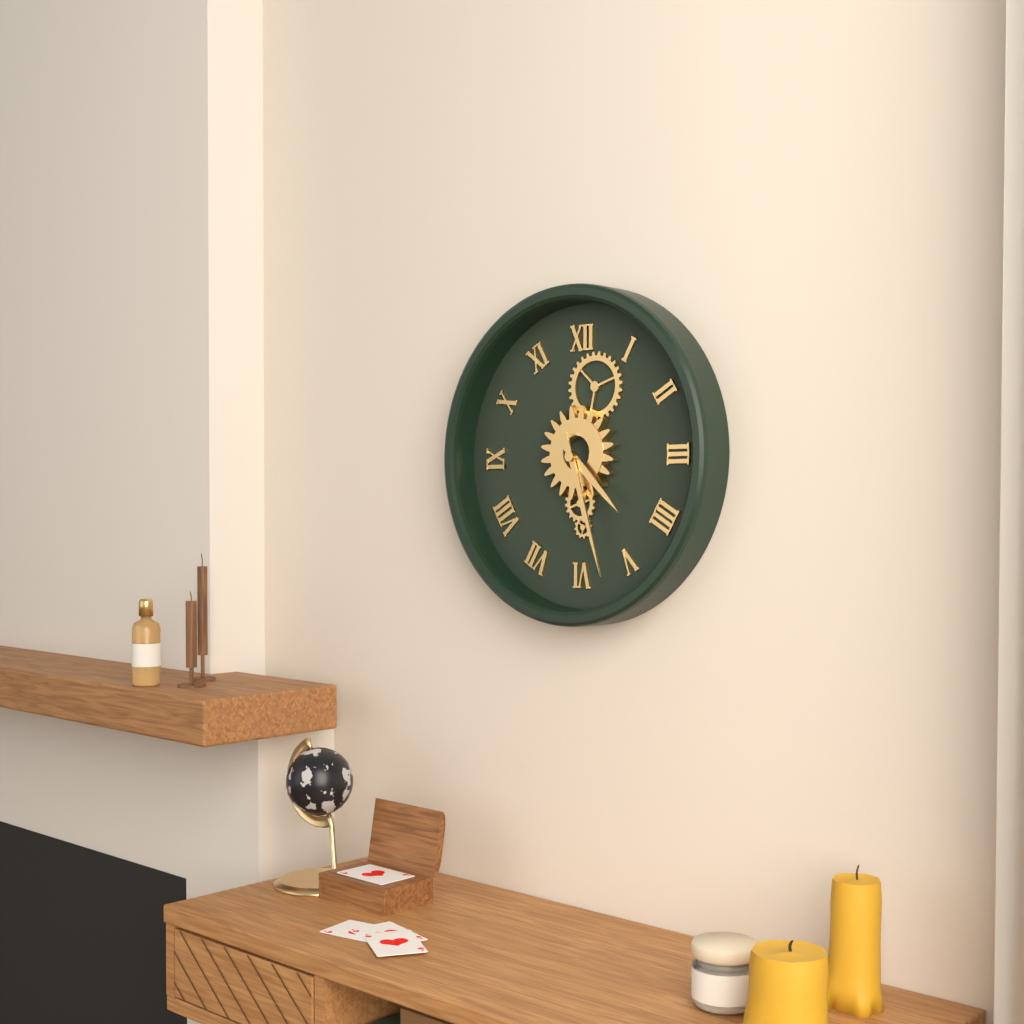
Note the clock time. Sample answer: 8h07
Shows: 4h27
